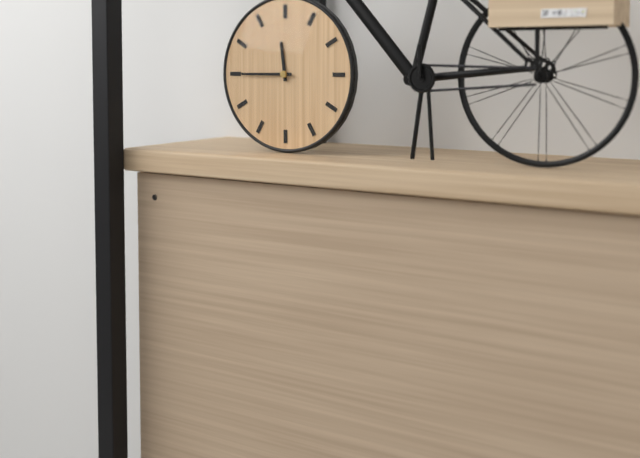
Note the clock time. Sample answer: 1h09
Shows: 11h45
